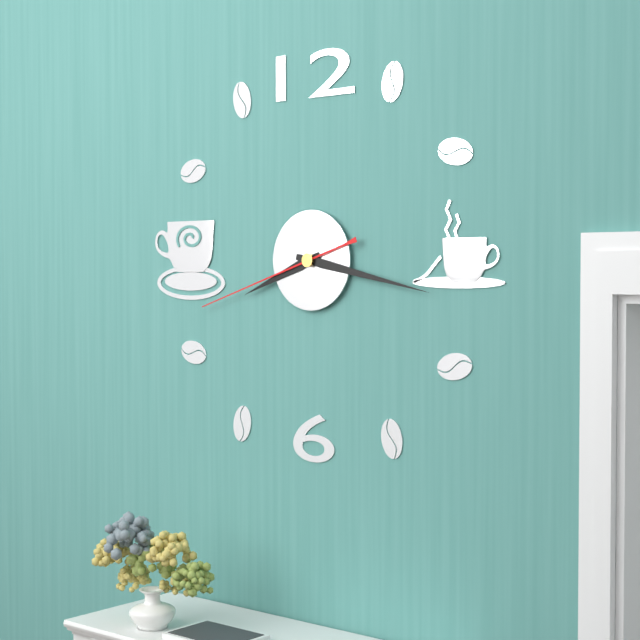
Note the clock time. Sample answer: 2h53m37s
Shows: 8h17m42s
